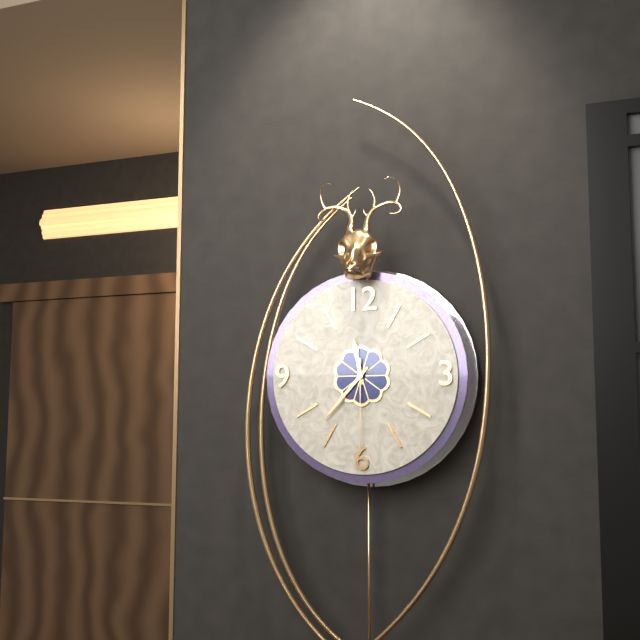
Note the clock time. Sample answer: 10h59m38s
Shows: 11h37m30s
